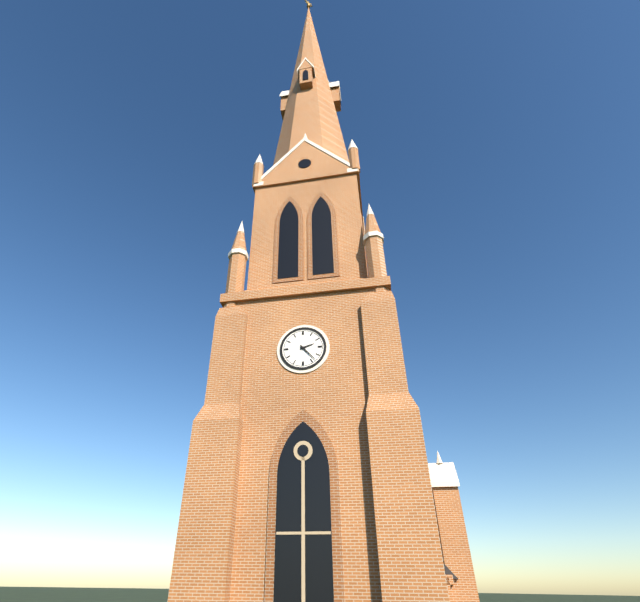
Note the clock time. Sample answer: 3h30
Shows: 2h23
